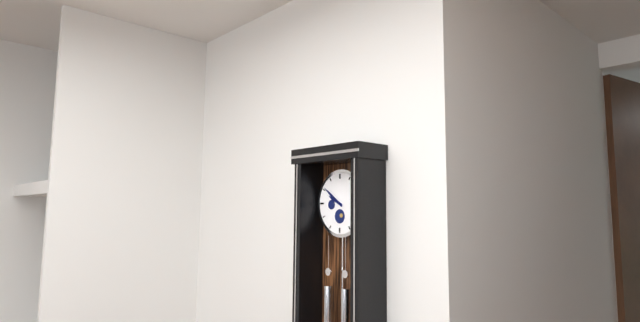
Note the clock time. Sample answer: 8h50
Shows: 9h51
